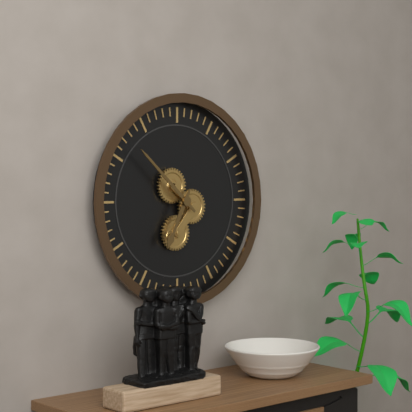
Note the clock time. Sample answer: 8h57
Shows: 6h52
